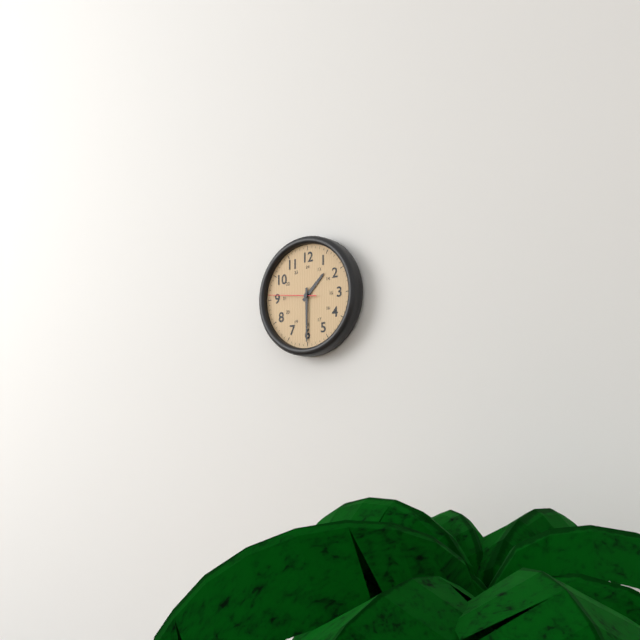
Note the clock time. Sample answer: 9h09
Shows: 1h30
